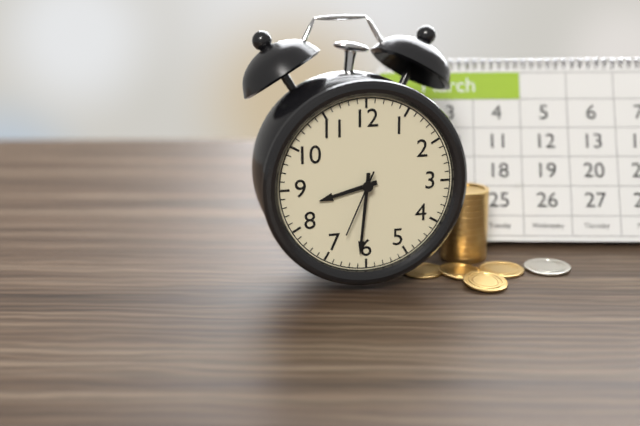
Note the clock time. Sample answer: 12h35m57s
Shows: 8h31m34s
